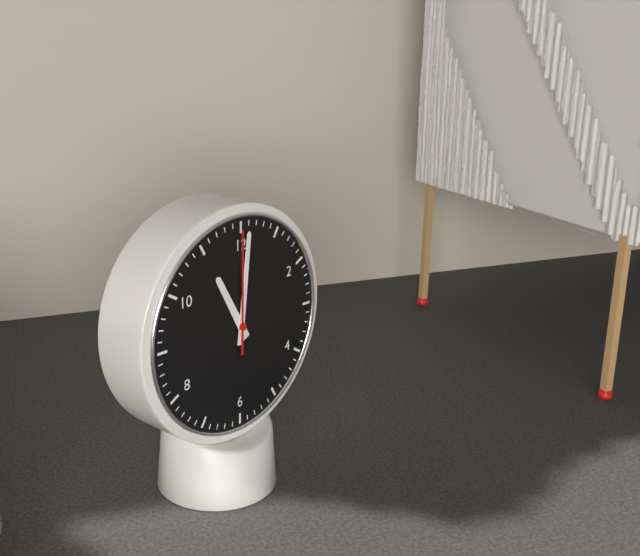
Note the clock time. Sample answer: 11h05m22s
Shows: 11h01m00s
